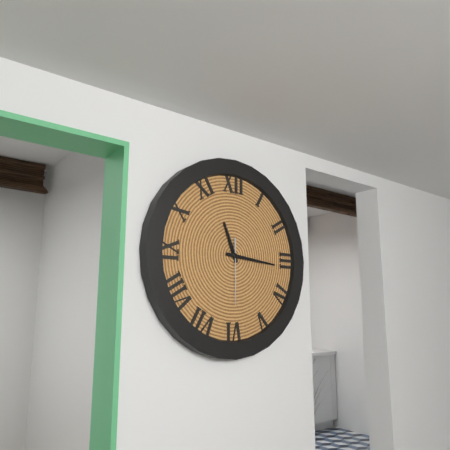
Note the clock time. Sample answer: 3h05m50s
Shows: 11h16m30s
